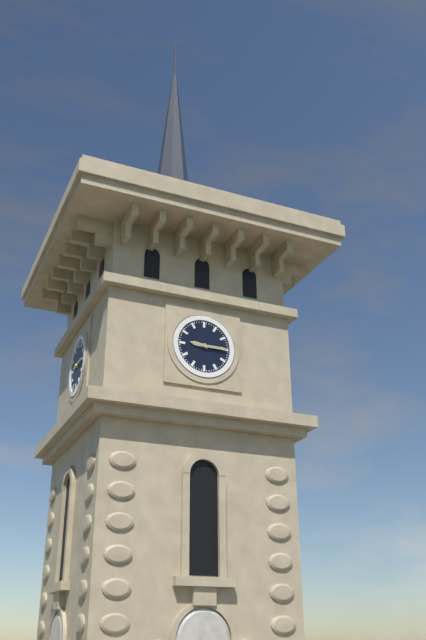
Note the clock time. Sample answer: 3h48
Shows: 9h15
